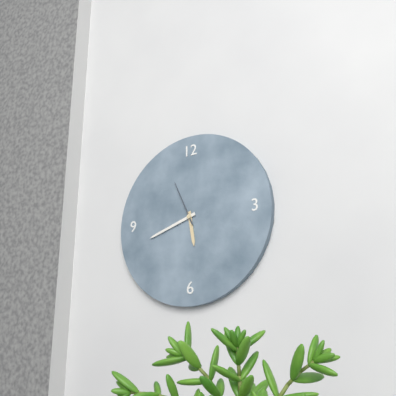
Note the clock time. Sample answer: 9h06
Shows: 5h42
